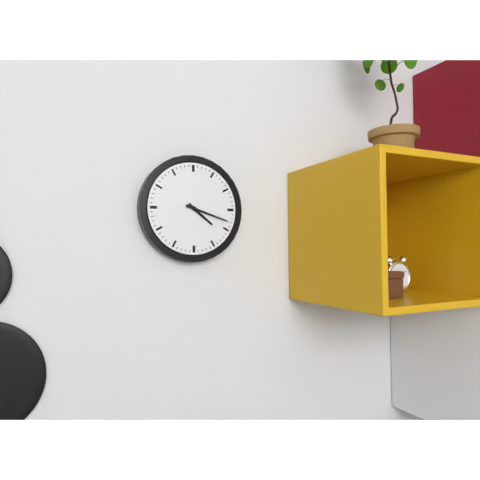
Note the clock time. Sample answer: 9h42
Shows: 4h18
